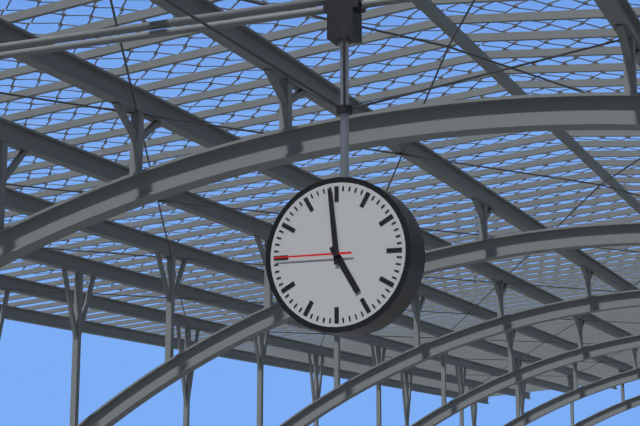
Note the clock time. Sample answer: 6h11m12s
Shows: 4h59m45s
